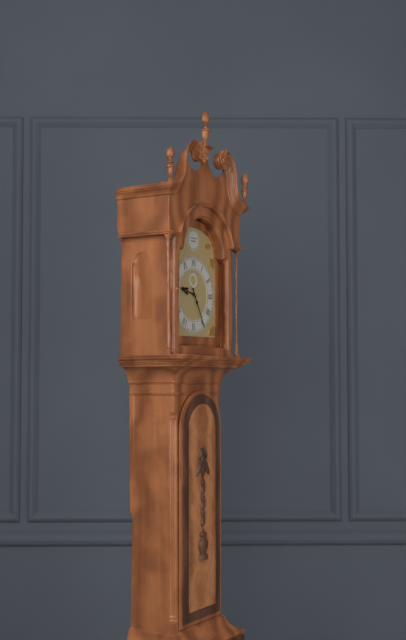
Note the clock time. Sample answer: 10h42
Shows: 9h25
